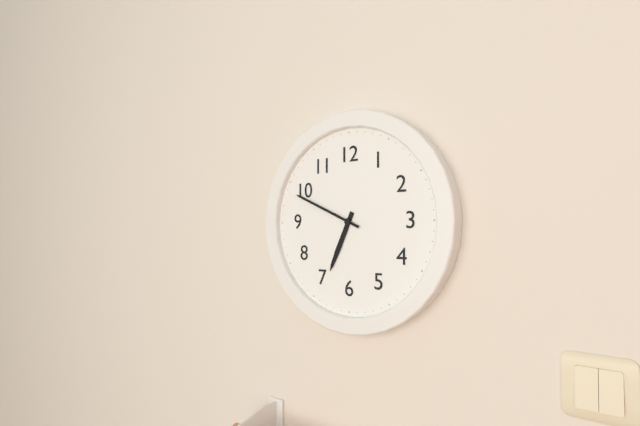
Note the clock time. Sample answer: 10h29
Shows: 6h49
